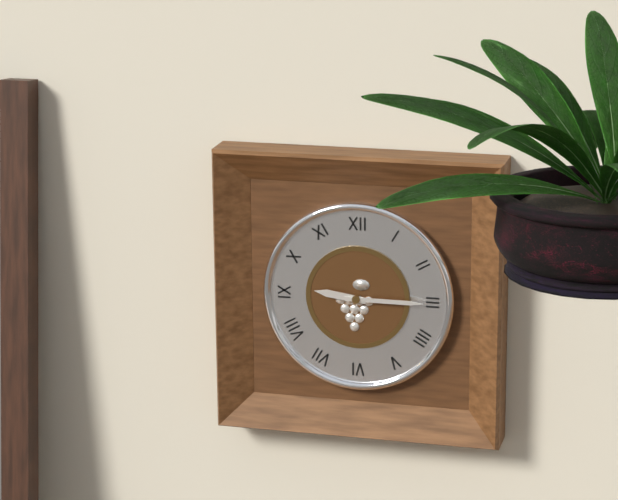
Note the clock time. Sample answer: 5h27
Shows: 9h15
